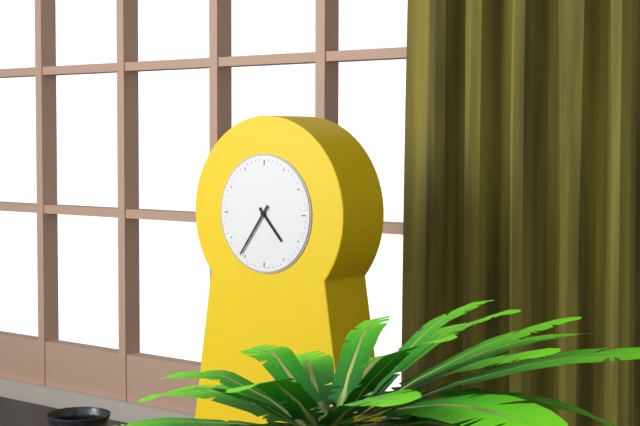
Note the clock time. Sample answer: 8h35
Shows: 4h36
